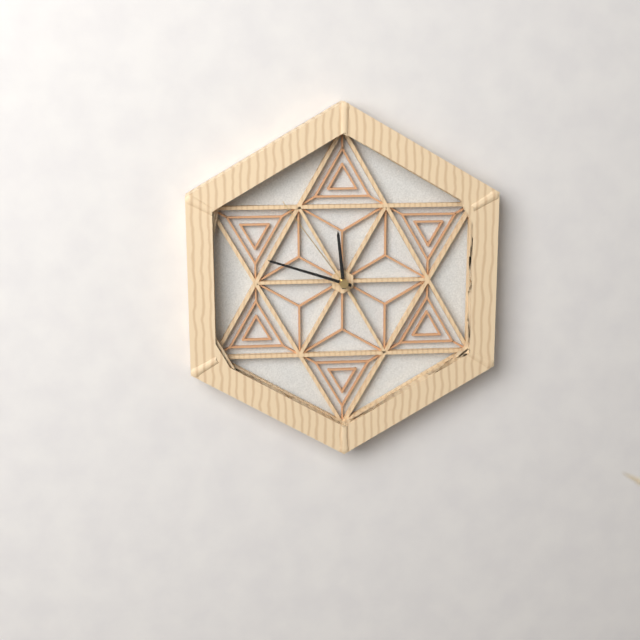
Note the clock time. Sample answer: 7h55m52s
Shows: 11h48m54s
